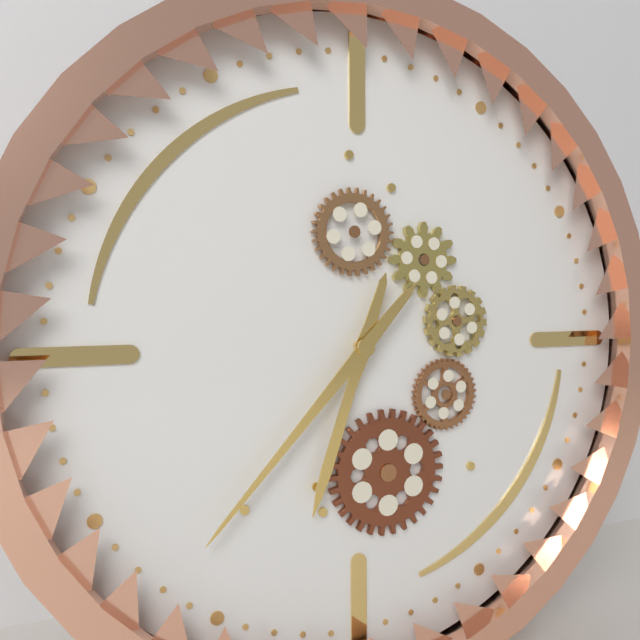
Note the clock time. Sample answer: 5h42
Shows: 6h37
